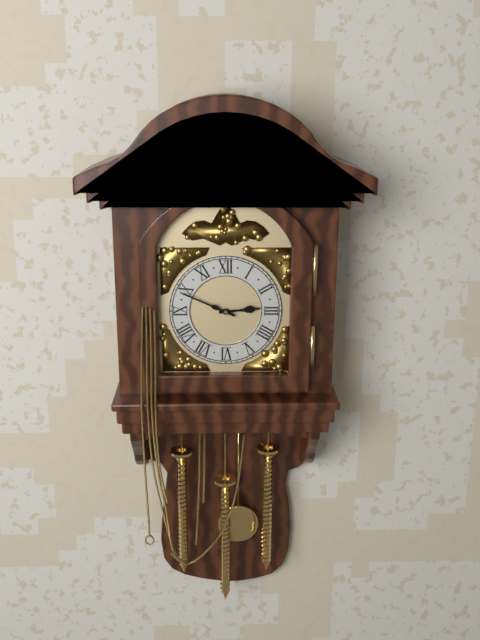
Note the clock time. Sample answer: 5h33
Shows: 2h49
